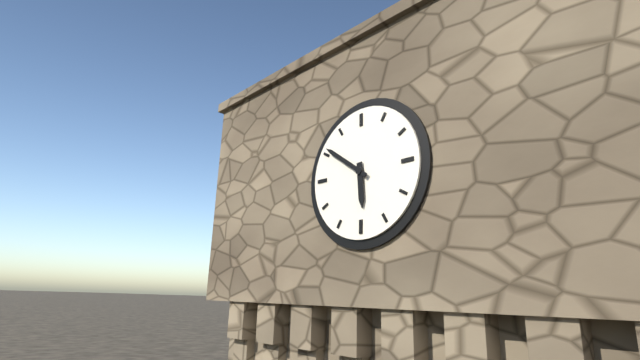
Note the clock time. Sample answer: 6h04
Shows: 5h51
